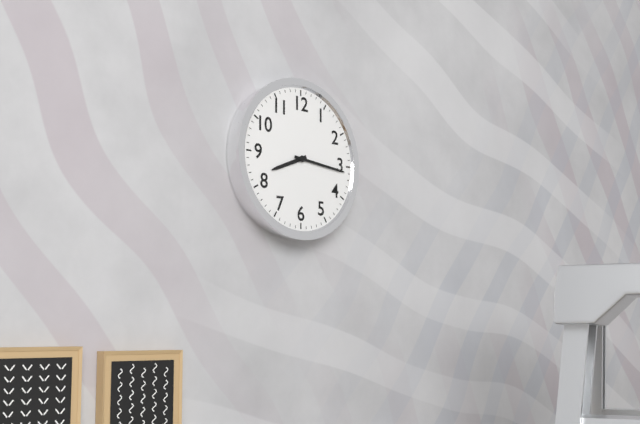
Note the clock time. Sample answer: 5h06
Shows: 8h16
